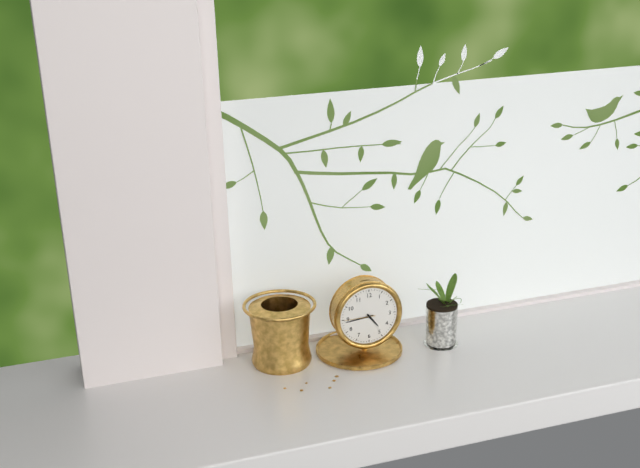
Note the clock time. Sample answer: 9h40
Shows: 4h44
